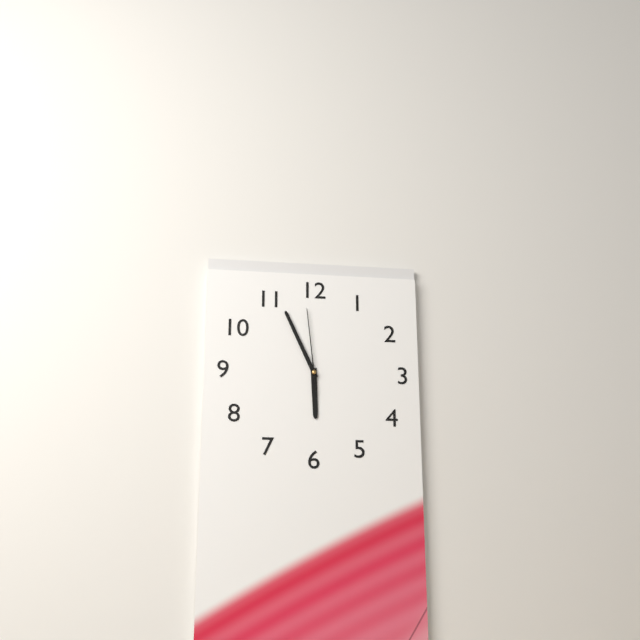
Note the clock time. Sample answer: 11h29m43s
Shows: 5h56m59s
